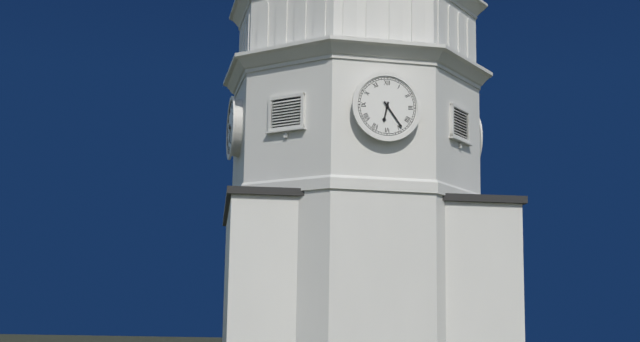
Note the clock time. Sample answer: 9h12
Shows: 6h24
